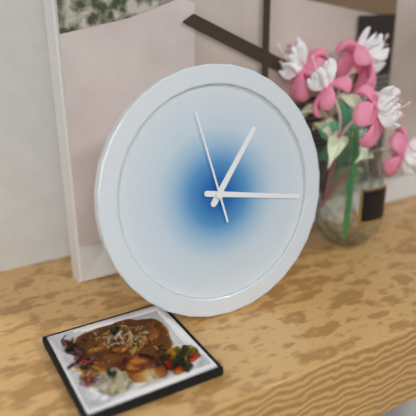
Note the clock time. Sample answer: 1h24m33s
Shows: 1h17m58s
